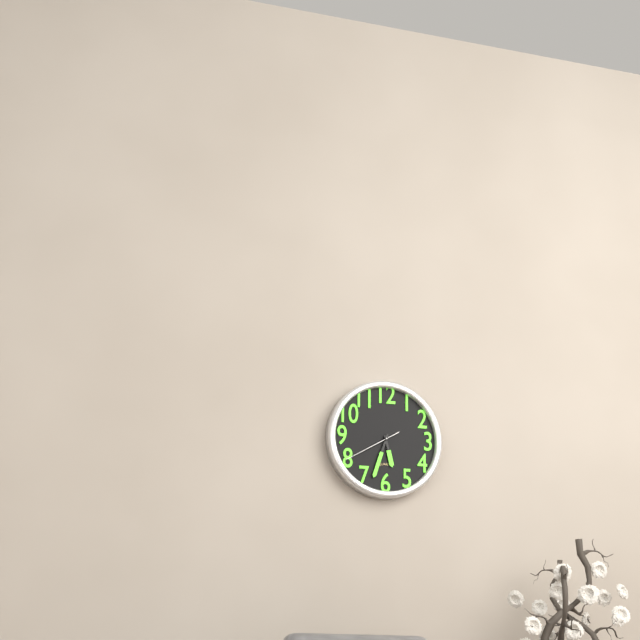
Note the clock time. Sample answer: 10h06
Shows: 5h33
